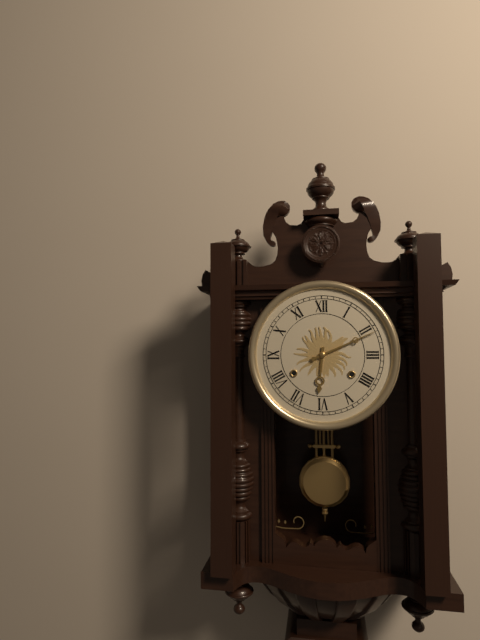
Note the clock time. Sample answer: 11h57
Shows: 6h11
